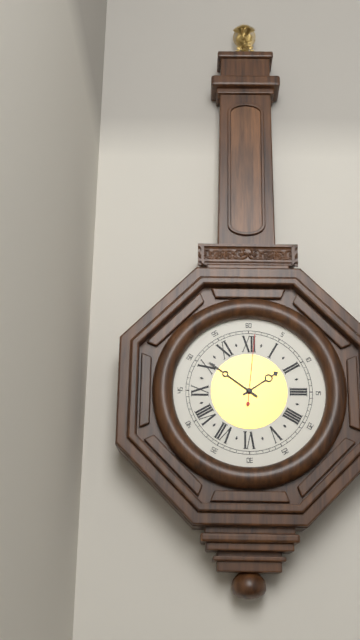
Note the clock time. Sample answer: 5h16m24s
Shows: 1h51m01s
